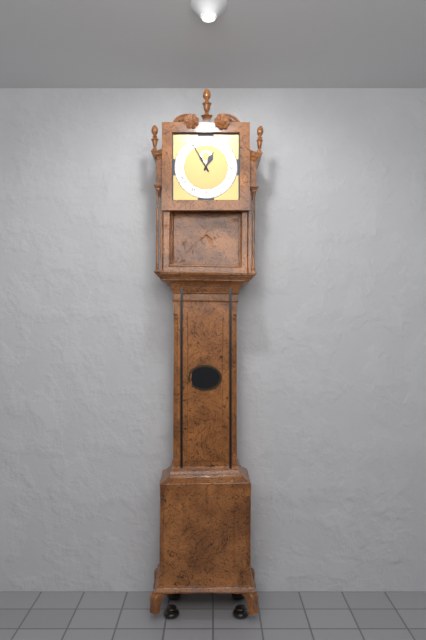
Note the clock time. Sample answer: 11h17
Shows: 12h55
